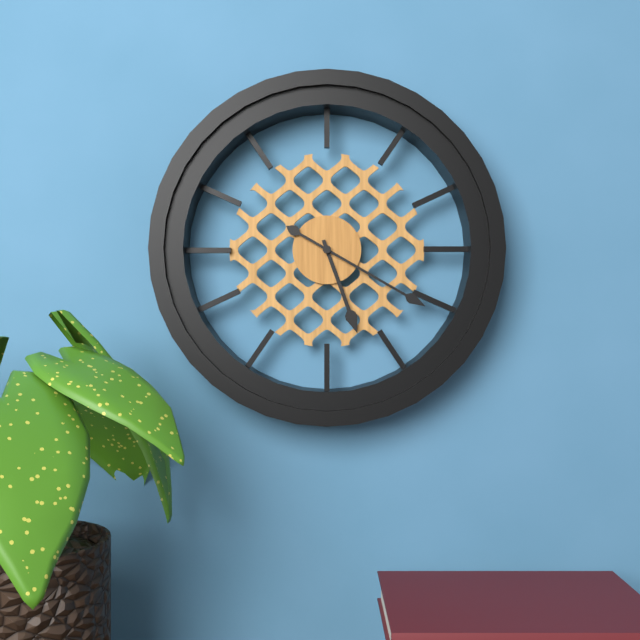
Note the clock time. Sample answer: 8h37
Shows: 5h20
